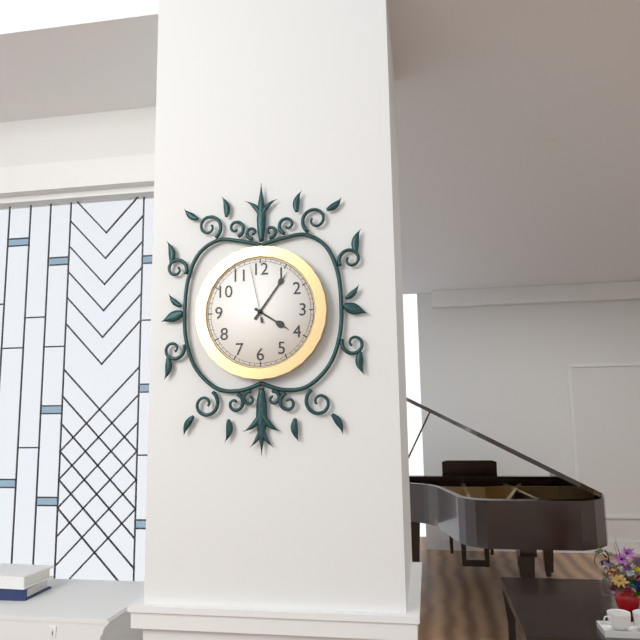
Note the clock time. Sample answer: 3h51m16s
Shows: 4h06m58s
